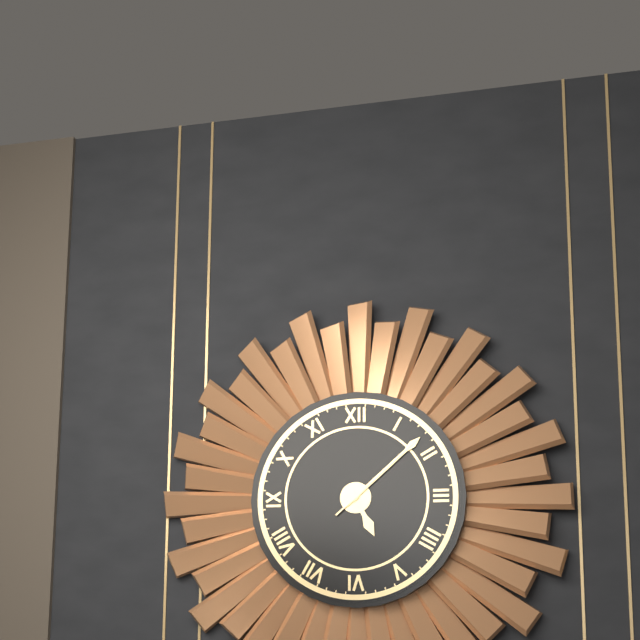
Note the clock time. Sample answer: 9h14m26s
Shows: 5h08m08s
